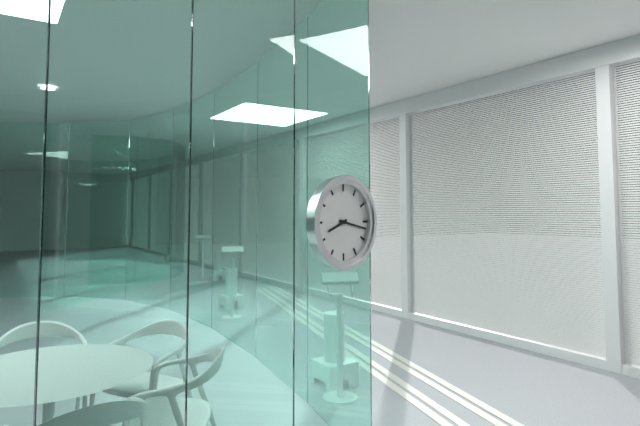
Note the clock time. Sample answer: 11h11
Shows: 8h17
